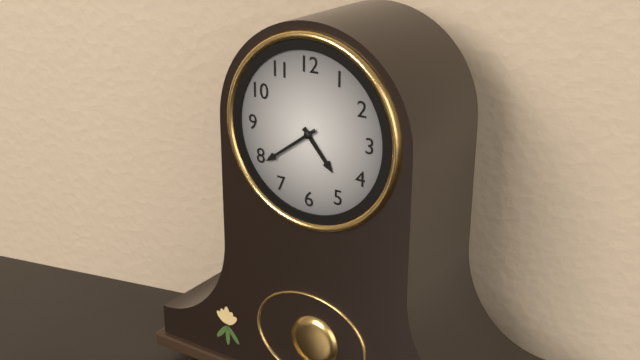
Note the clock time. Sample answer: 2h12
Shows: 4h39
